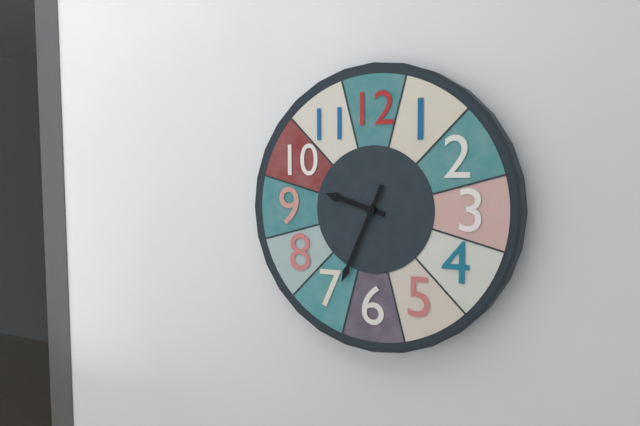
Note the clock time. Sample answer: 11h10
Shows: 9h34
